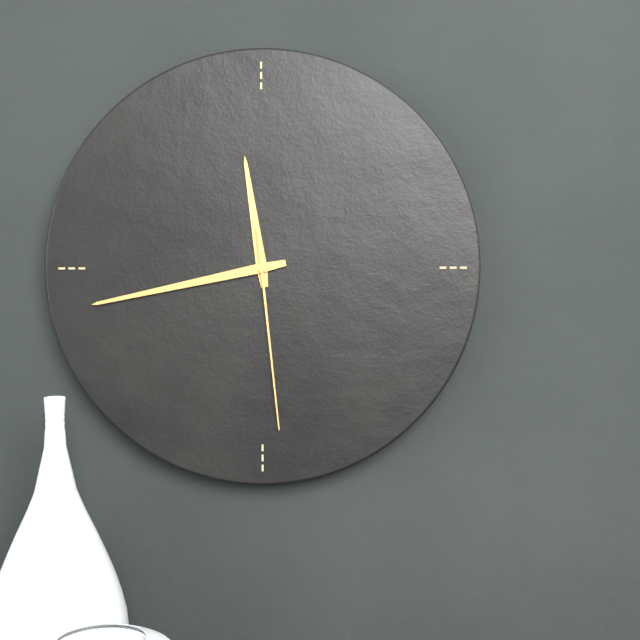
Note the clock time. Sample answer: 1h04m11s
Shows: 11h43m29s
